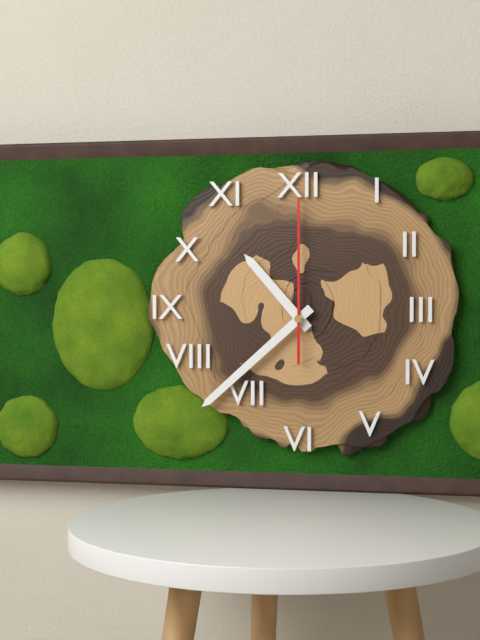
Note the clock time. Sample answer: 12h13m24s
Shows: 10h38m00s
